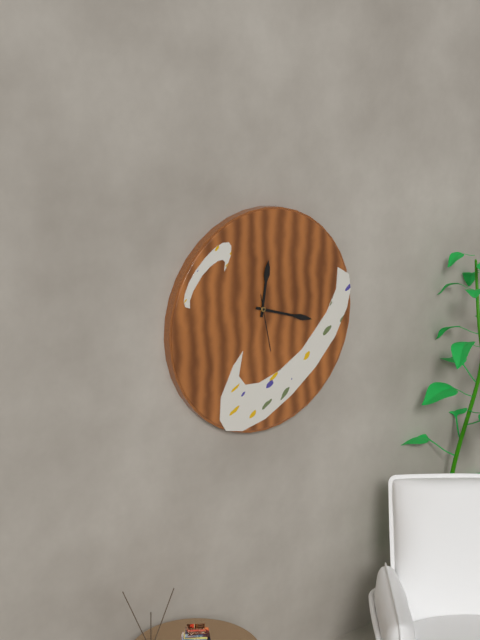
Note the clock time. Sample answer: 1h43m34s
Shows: 12h18m28s
